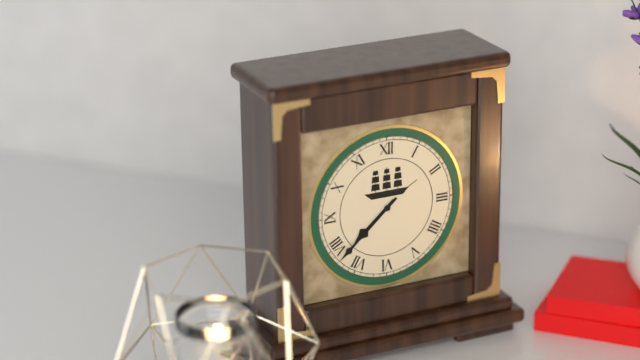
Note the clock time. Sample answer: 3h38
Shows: 7h38
